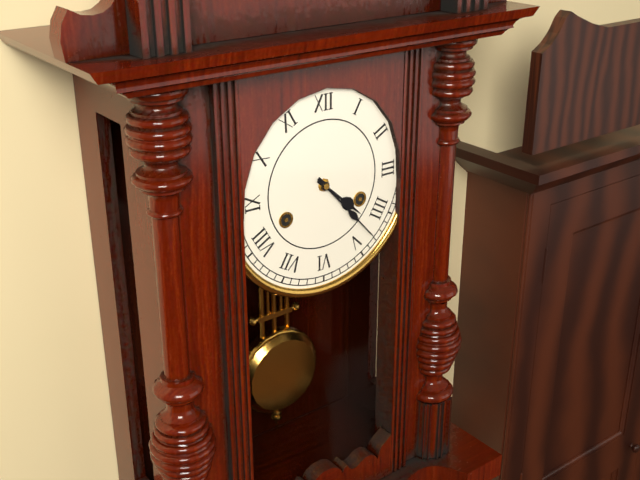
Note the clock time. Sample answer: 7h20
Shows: 4h23
